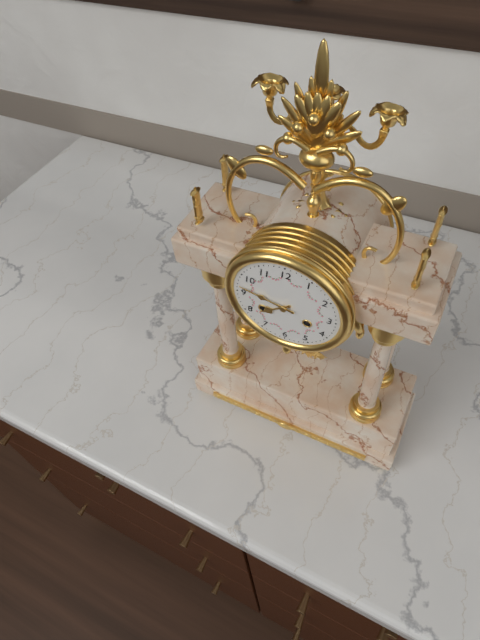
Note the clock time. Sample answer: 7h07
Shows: 7h47
